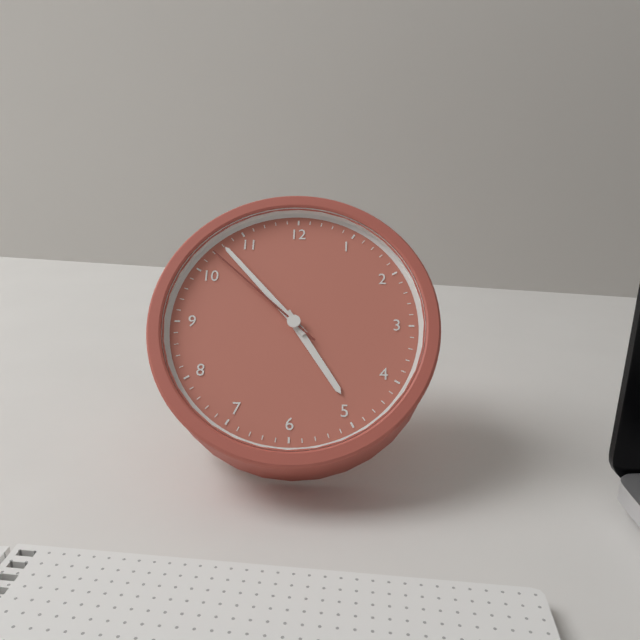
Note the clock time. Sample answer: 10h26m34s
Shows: 4h53m52s
